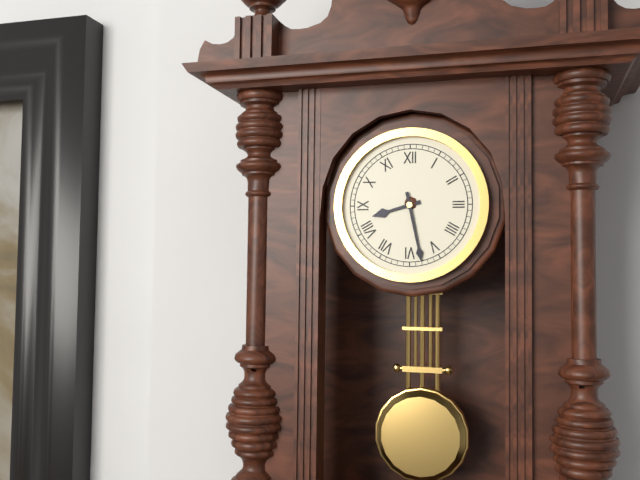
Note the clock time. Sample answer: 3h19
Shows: 8h28
